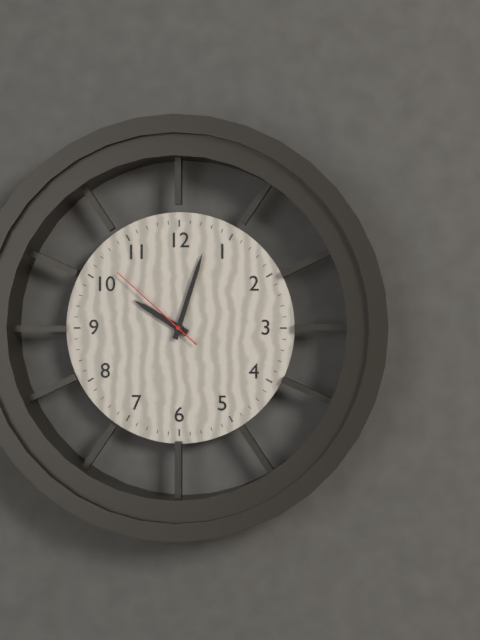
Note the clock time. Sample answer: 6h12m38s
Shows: 10h03m52s
